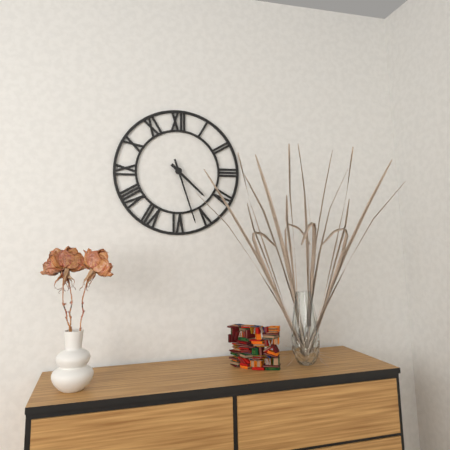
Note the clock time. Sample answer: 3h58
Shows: 4h27
